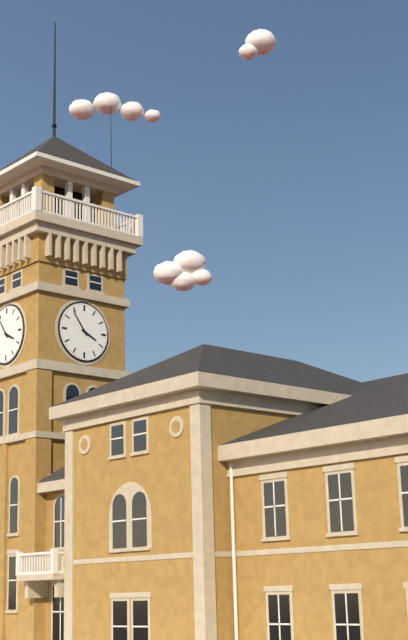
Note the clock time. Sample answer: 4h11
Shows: 3h54
